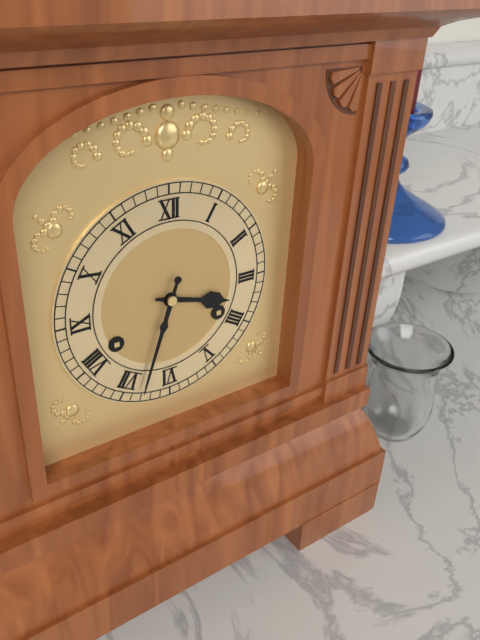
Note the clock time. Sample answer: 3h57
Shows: 3h33
